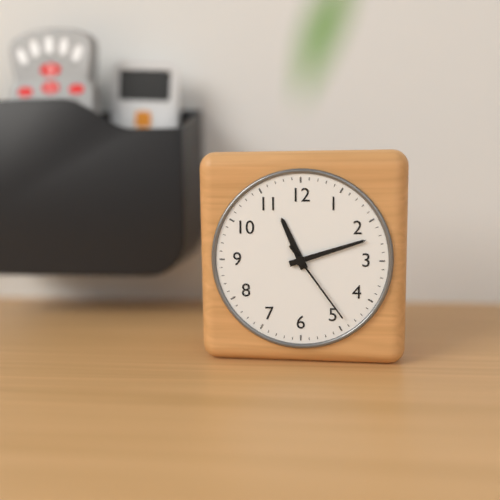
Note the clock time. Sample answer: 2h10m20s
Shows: 11h12m24s
